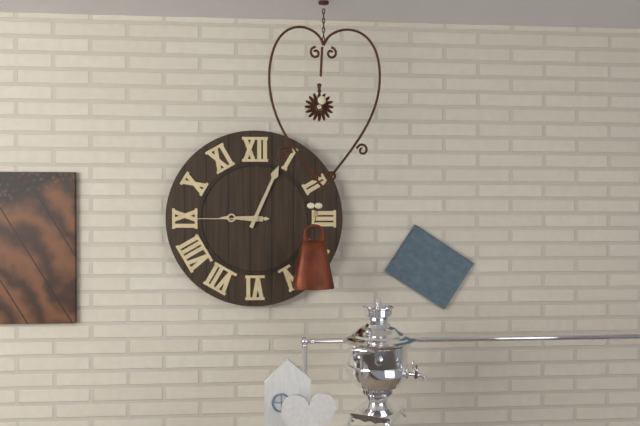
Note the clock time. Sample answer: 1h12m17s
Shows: 9h04m45s
